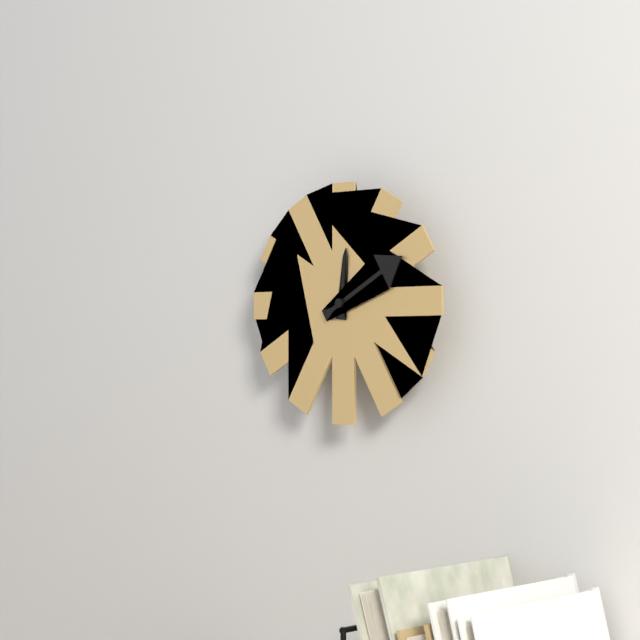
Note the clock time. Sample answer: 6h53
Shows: 12h10
